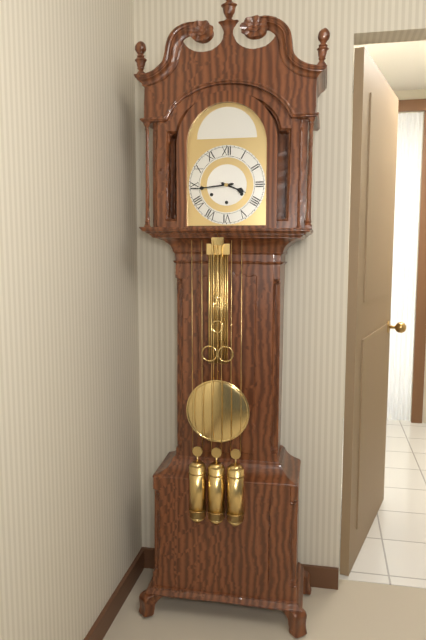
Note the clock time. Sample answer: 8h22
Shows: 3h44
